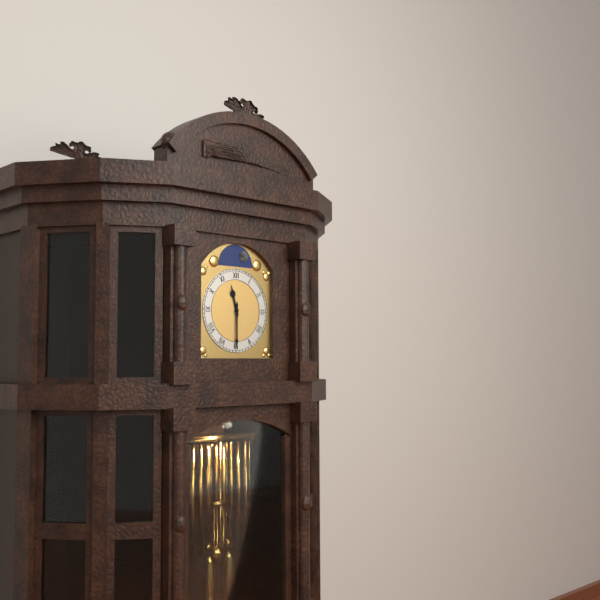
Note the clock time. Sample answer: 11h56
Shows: 11h30
